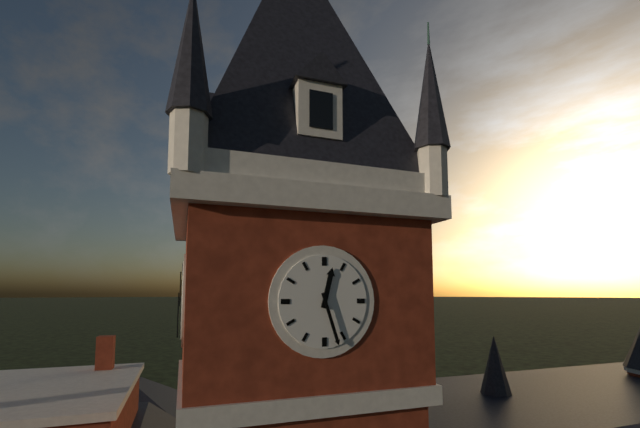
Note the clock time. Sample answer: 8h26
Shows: 12h27
